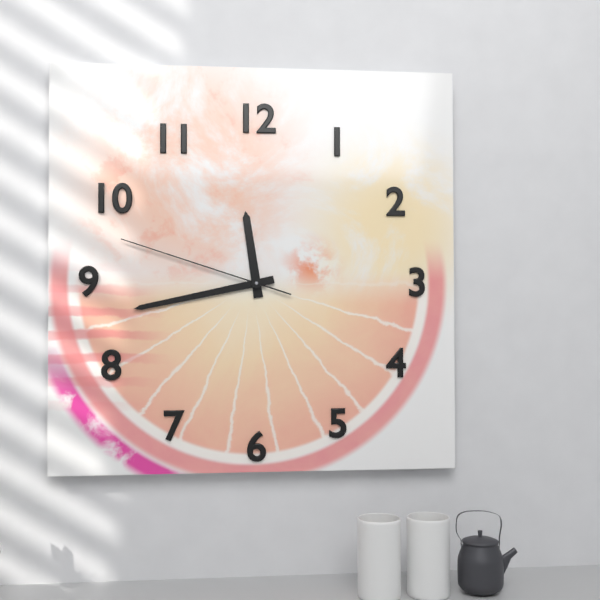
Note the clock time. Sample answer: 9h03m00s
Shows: 11h43m48s
